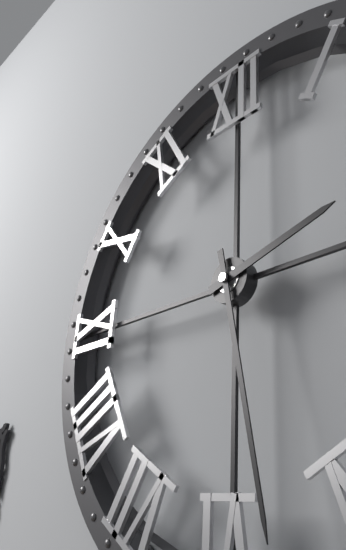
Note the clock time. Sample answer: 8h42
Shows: 2h28
